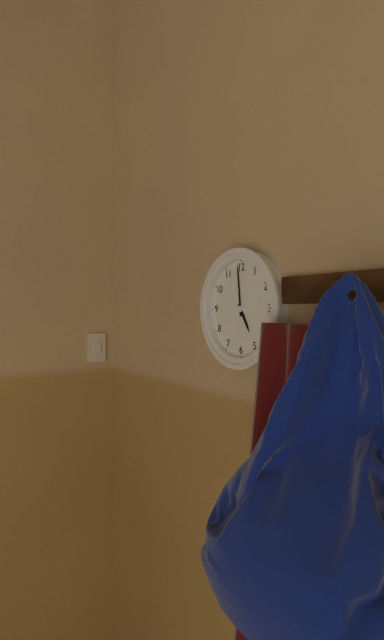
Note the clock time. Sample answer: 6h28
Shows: 4h59
